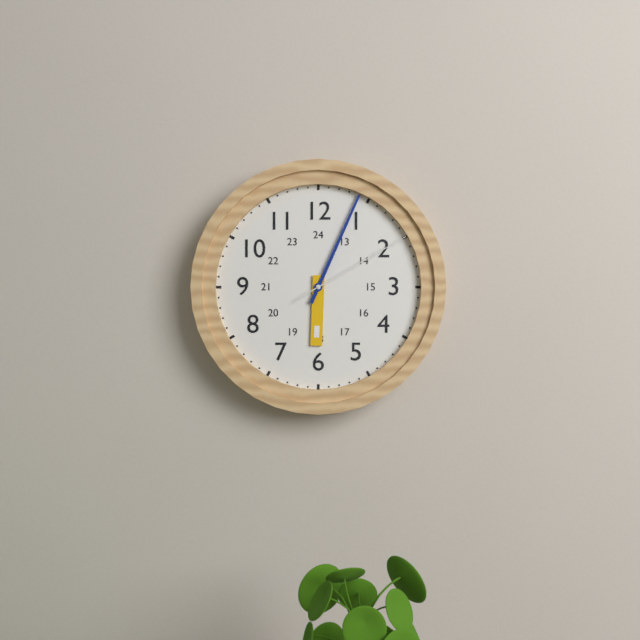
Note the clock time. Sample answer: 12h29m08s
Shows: 6h04m10s
